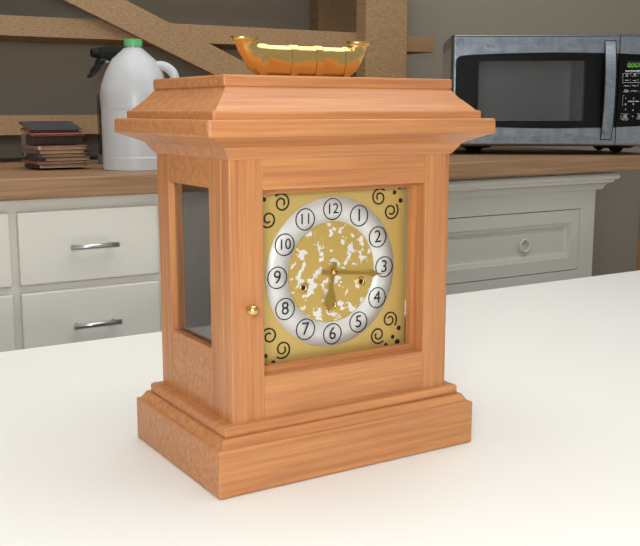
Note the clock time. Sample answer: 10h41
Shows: 6h16
